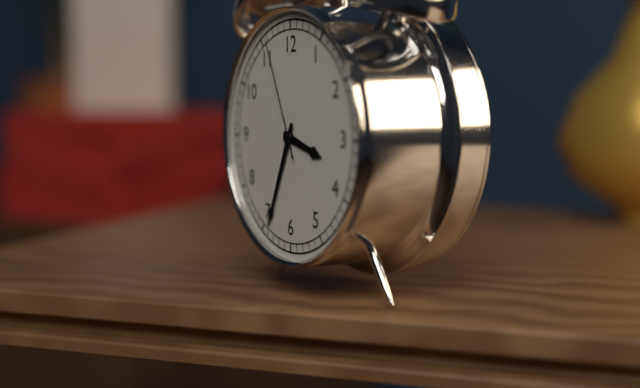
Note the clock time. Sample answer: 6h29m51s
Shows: 3h34m56s
